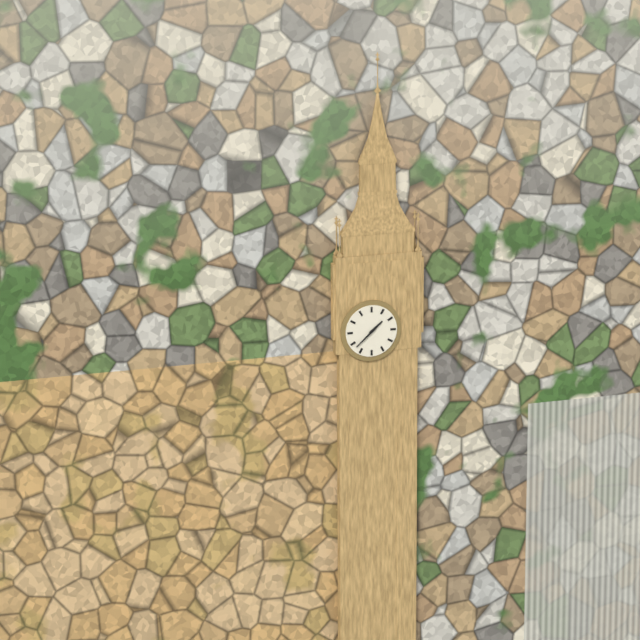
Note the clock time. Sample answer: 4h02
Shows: 1h38
